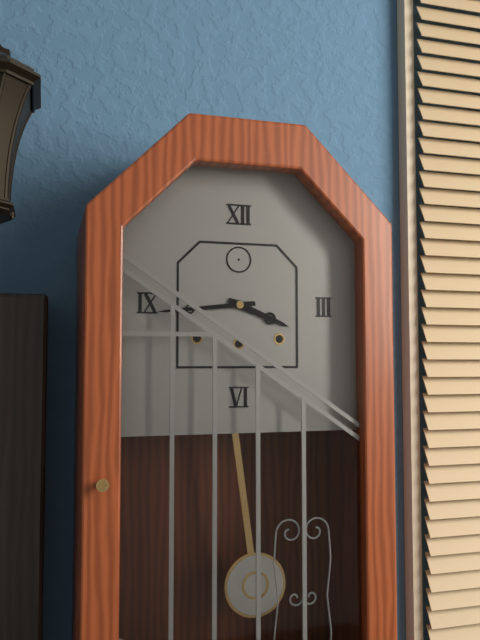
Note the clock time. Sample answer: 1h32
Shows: 3h44
